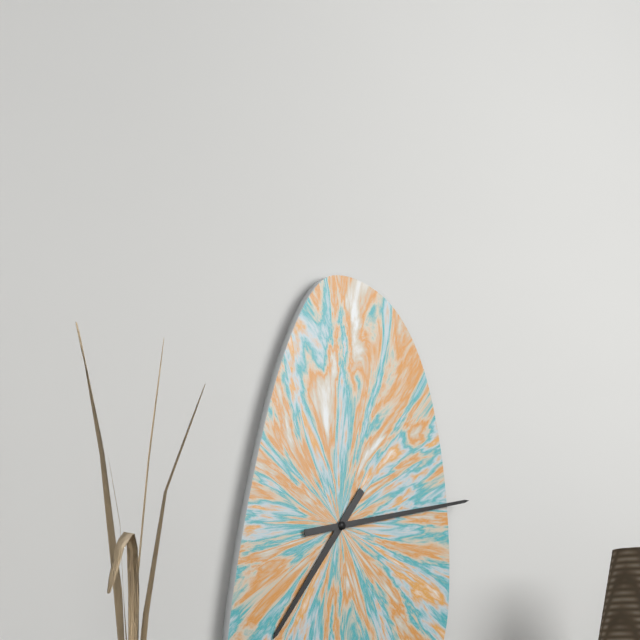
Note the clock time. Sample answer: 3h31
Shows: 7h13
